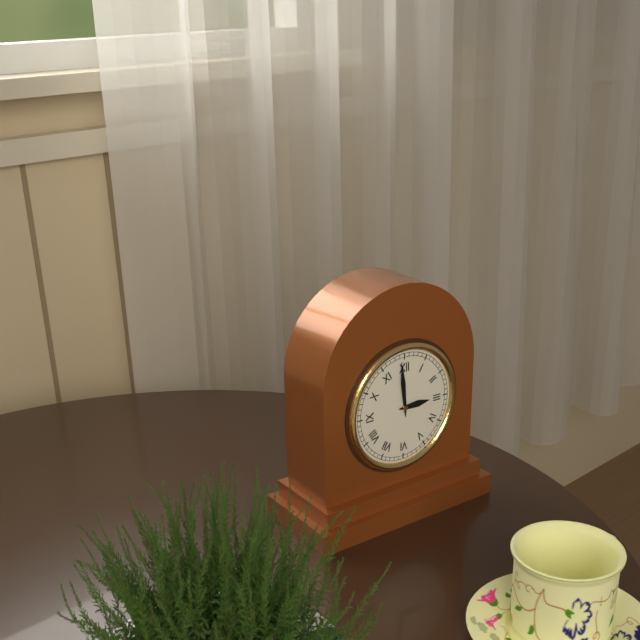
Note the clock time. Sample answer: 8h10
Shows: 2h59
